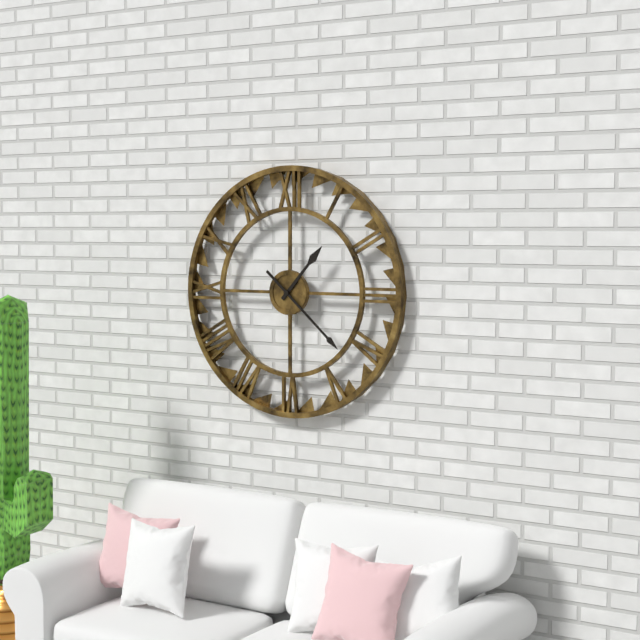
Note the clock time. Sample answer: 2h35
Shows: 1h22
